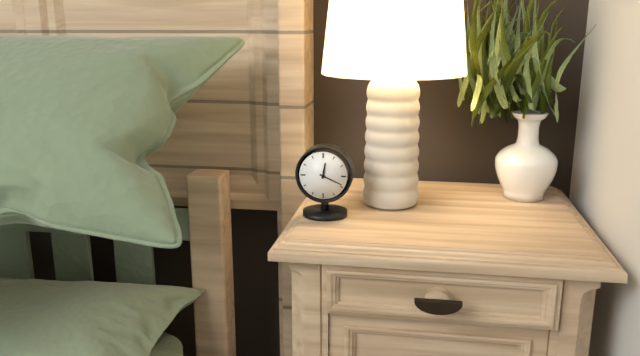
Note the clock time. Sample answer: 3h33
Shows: 12h19
